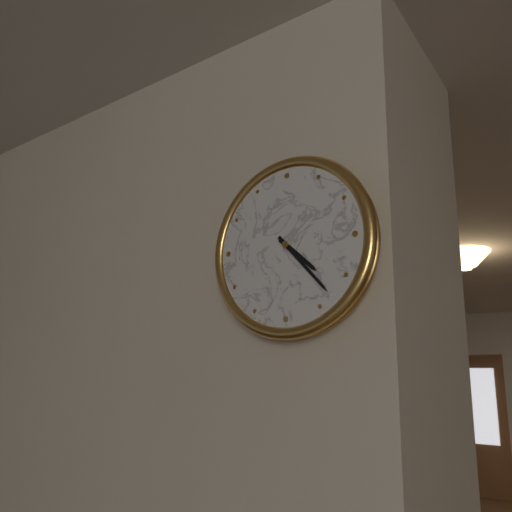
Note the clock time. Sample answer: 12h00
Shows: 4h23
